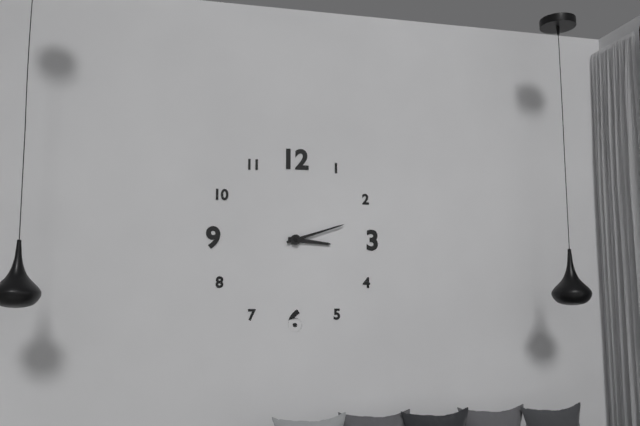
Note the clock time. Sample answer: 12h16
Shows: 3h12
